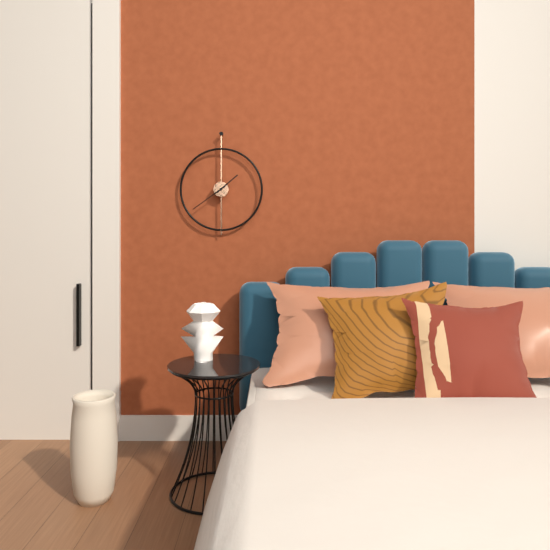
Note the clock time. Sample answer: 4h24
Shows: 1h39
